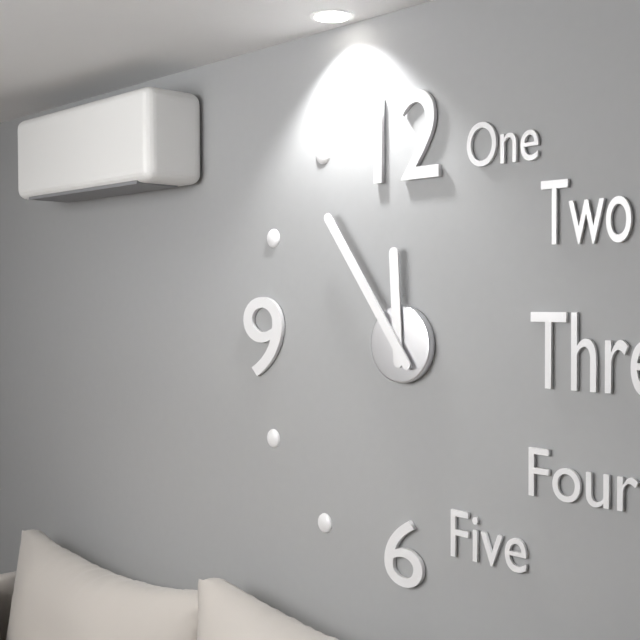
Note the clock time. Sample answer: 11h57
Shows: 11h54
